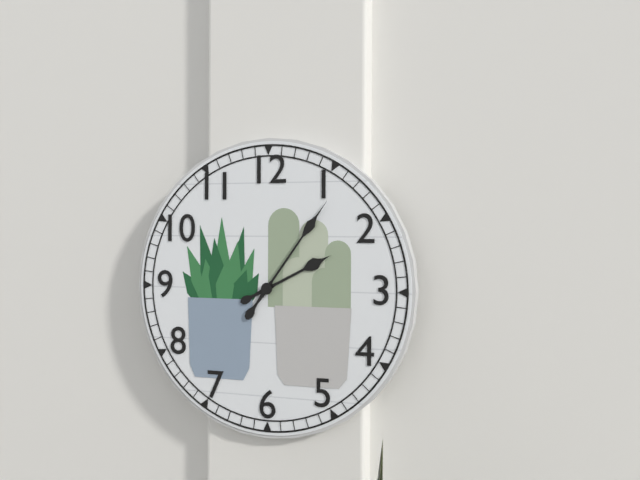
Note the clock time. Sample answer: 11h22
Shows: 2h06
